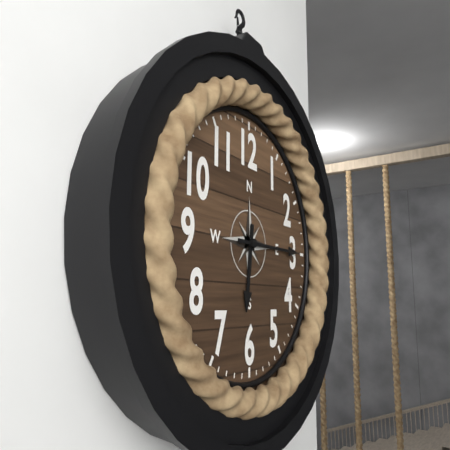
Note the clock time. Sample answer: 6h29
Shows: 6h15
